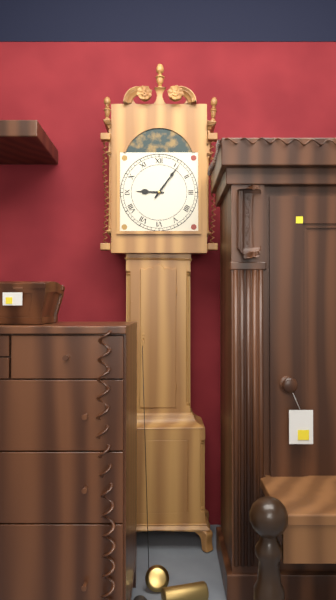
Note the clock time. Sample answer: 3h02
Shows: 9h06
